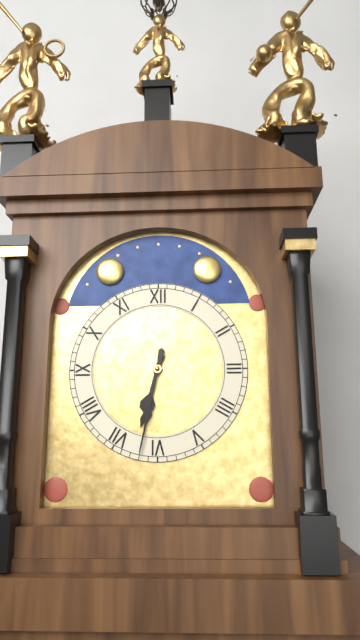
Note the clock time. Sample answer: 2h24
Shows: 6h32
